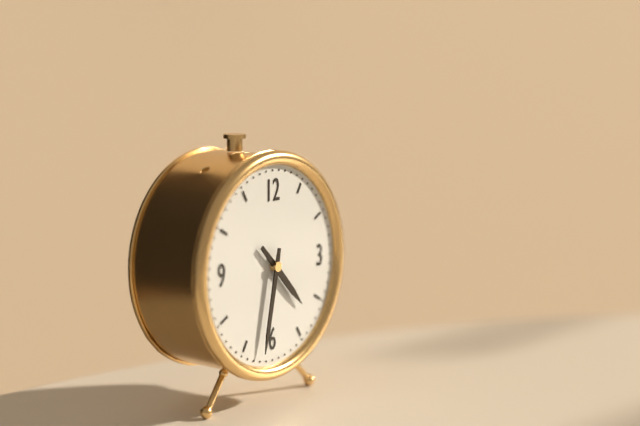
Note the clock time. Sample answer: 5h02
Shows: 4h32
